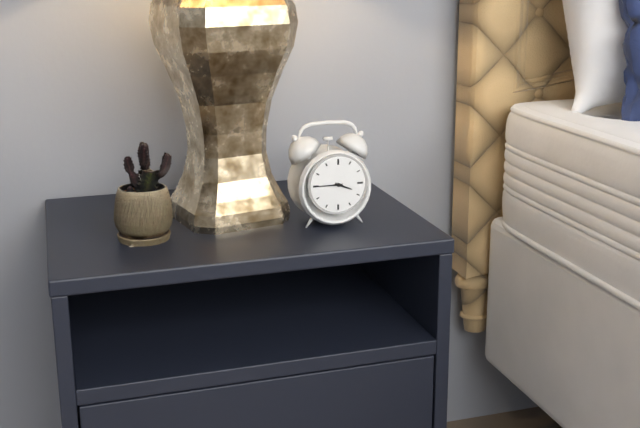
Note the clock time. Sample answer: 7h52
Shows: 3h45
